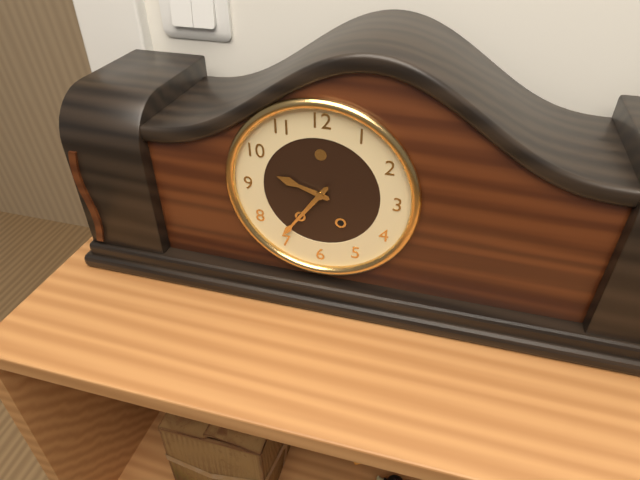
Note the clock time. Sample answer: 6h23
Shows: 9h36
